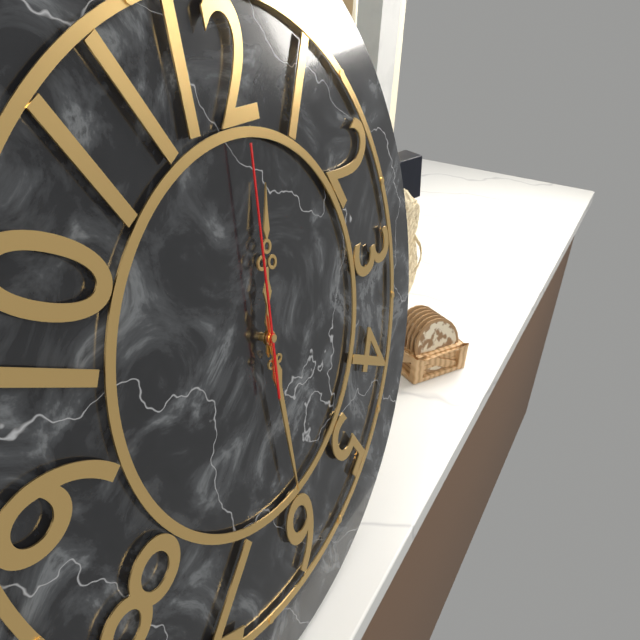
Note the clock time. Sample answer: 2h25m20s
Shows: 12h30m01s
